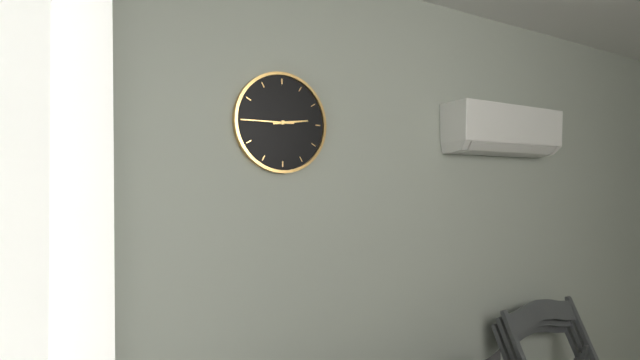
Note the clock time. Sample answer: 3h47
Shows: 2h45
